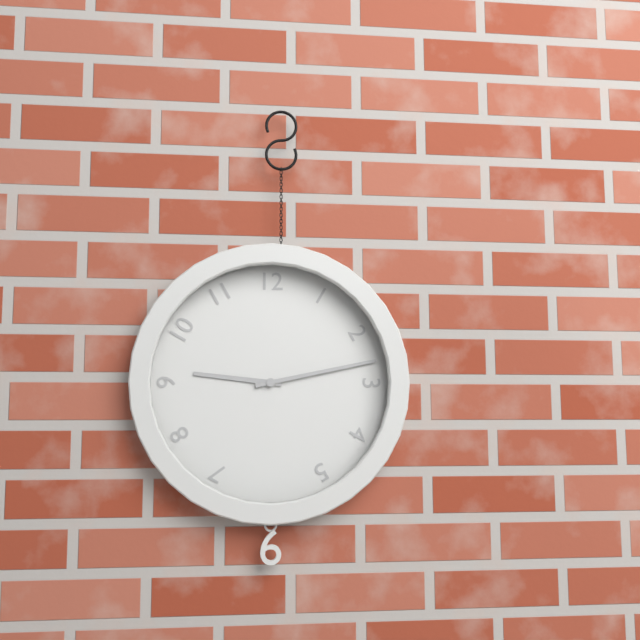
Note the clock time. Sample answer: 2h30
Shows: 9h13
